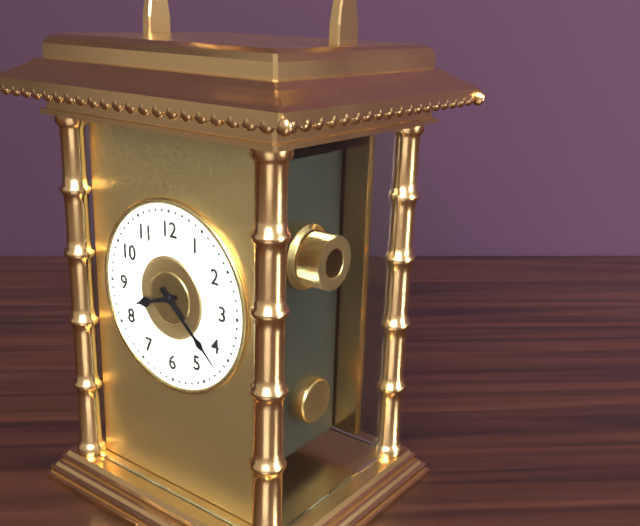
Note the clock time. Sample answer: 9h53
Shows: 8h22
